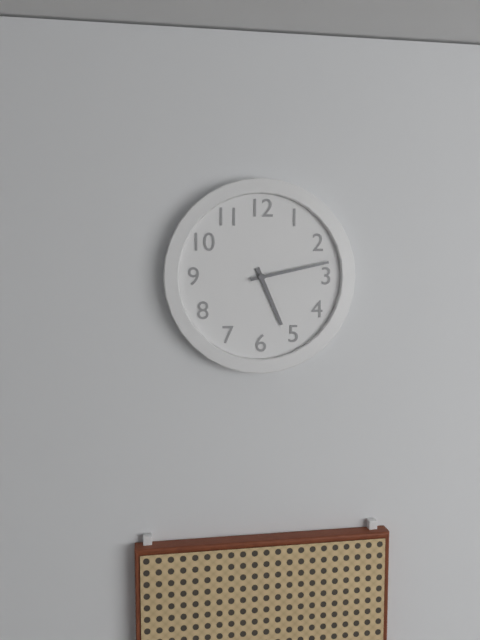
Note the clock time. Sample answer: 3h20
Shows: 5h13
